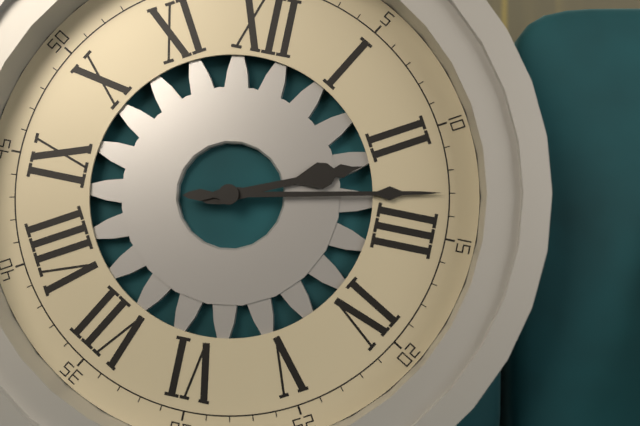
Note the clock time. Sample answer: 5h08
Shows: 2h13
